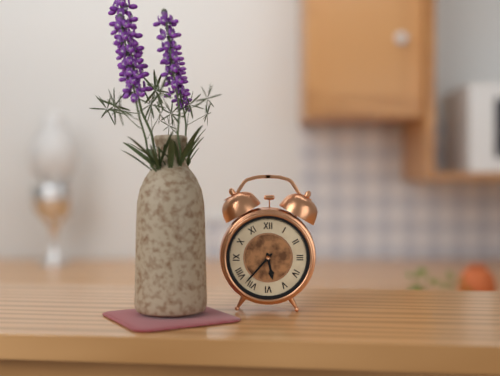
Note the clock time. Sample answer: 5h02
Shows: 5h37
